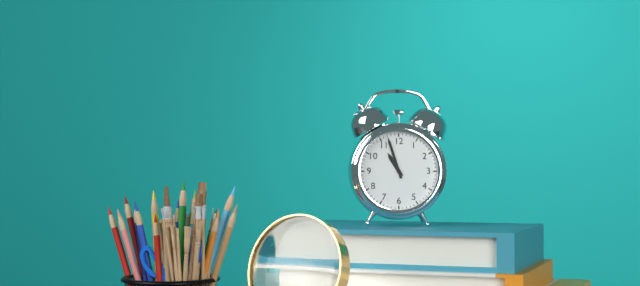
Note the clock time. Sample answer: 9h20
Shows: 10h57
